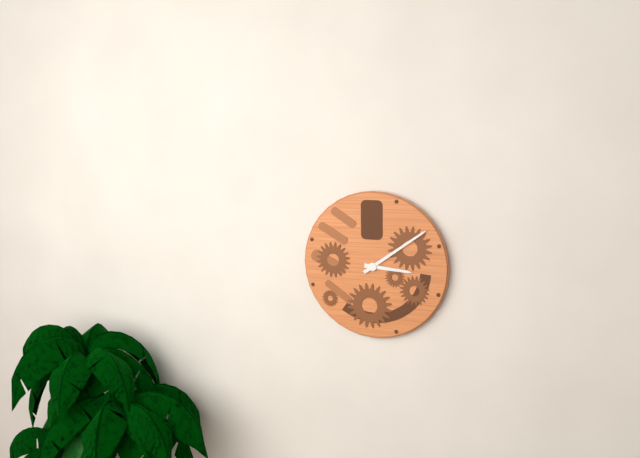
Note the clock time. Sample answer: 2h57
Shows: 3h09
